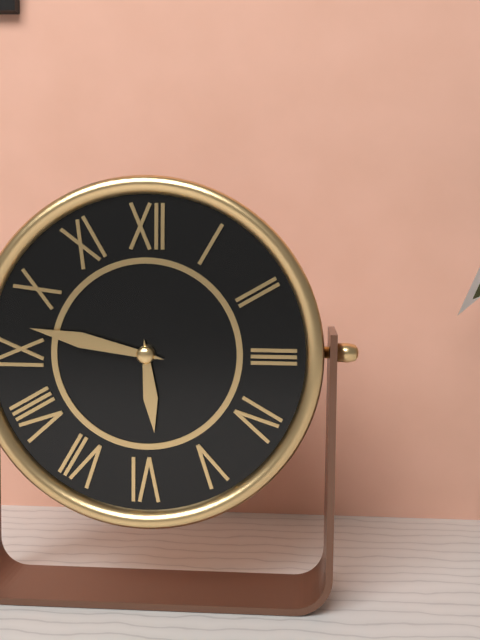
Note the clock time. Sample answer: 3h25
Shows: 5h47
